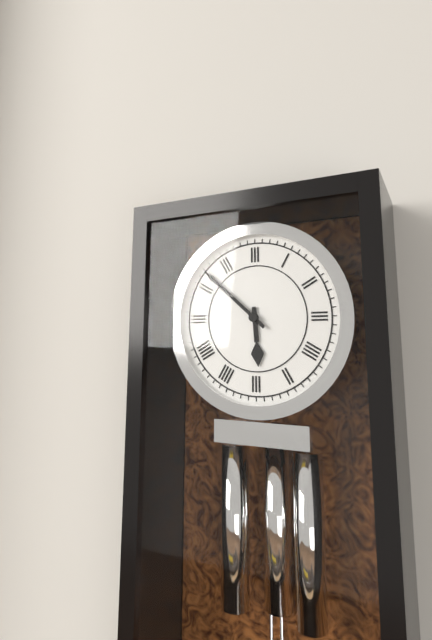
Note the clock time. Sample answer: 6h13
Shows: 5h52
